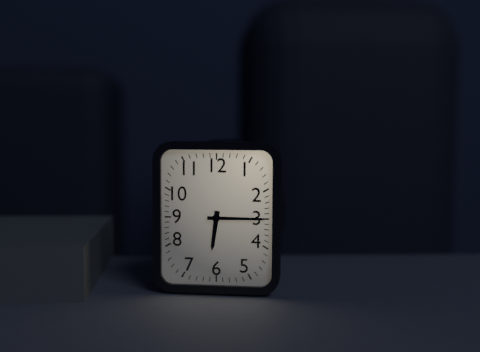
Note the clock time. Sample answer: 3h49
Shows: 6h15
